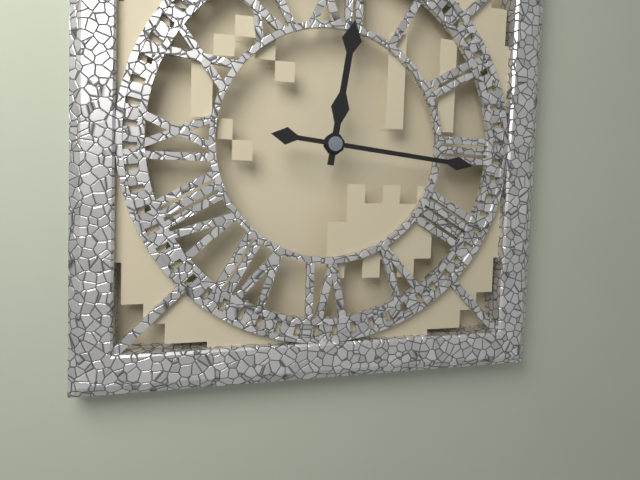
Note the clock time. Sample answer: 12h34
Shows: 12h16
